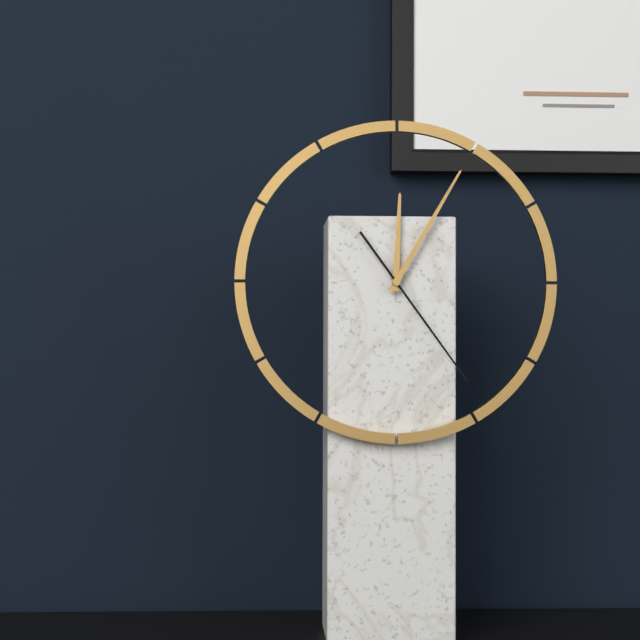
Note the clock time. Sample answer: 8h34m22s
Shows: 12h05m24s
